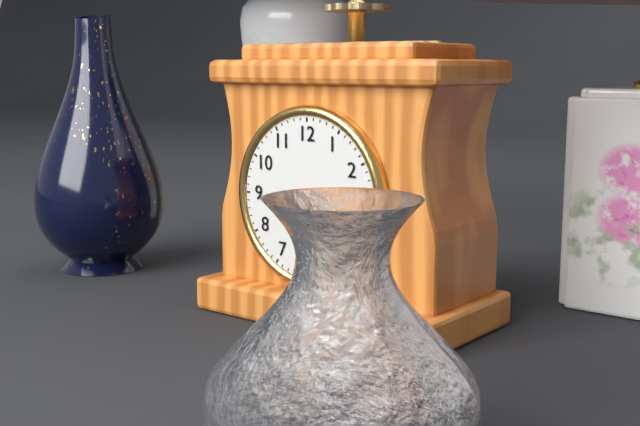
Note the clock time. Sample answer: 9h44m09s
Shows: 2h22m16s
